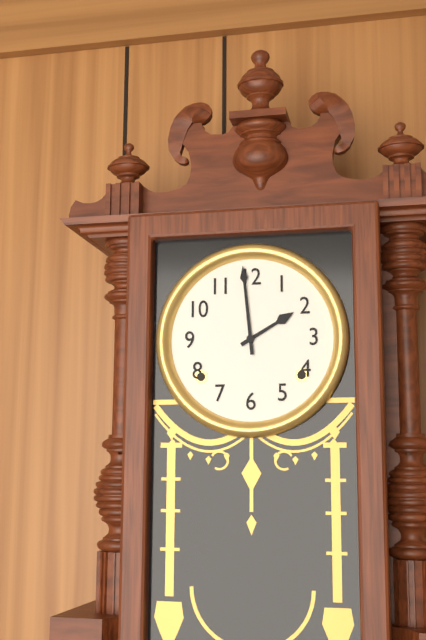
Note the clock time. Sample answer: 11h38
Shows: 1h59
